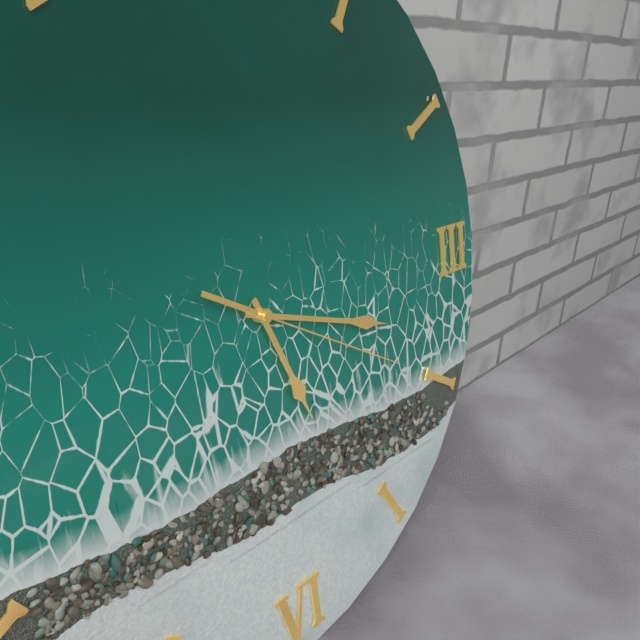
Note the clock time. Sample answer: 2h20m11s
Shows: 5h18m20s
